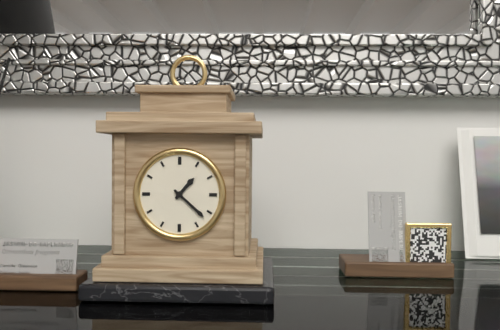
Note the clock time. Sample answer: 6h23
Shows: 1h22
